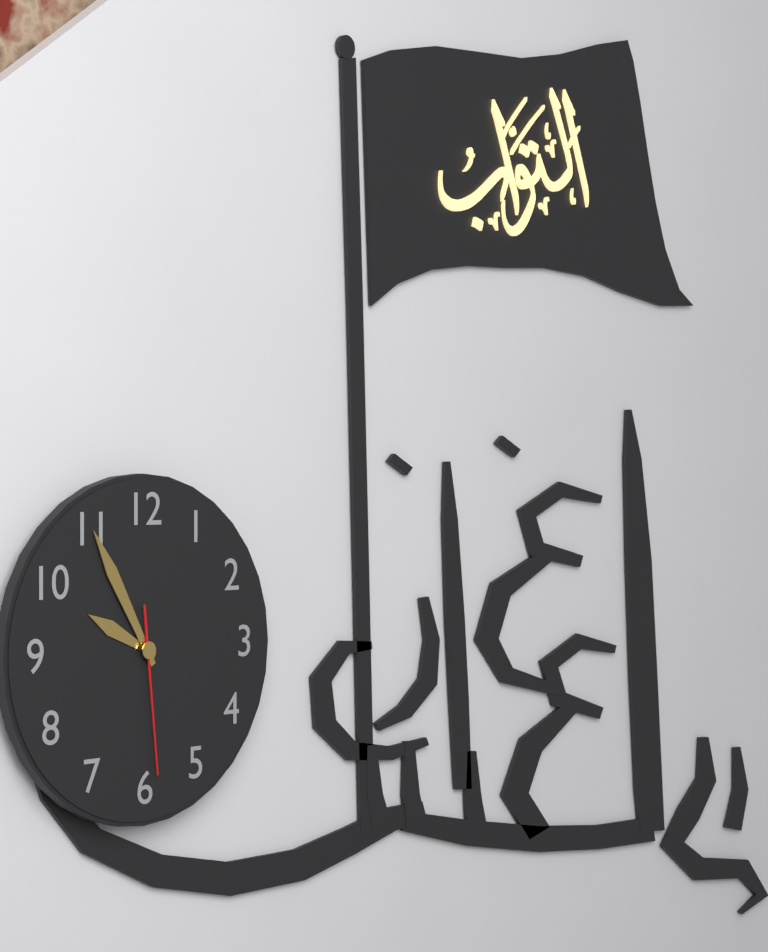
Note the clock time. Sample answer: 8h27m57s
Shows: 9h55m29s
